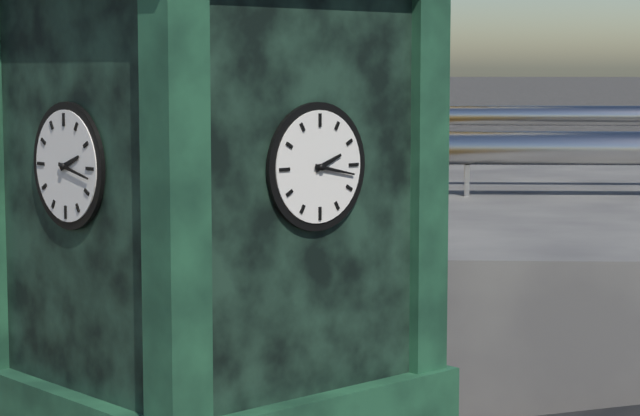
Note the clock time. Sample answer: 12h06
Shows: 2h17
